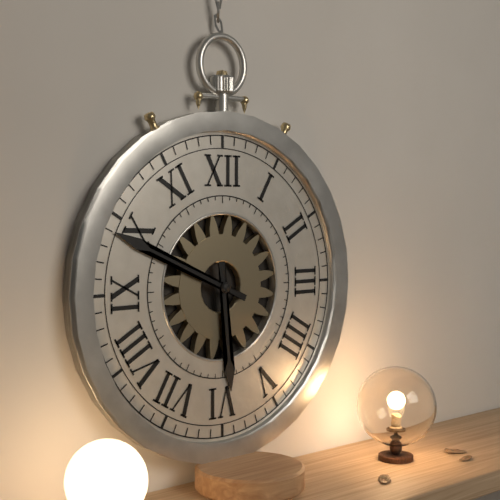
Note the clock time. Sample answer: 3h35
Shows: 5h49
